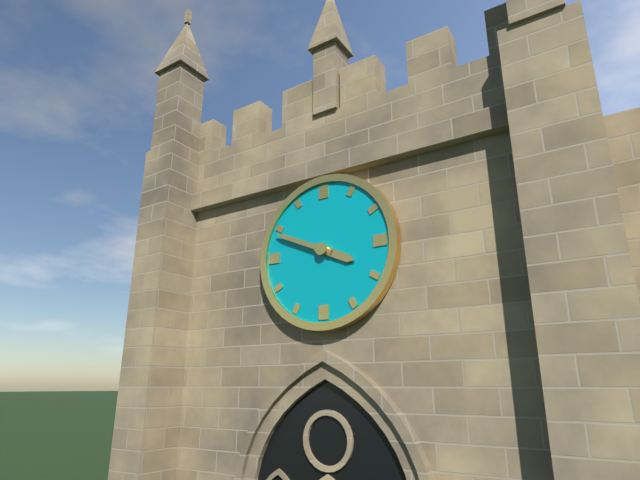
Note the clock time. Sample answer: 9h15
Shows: 3h49
